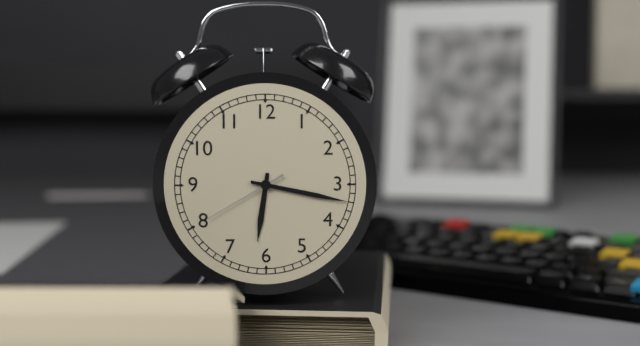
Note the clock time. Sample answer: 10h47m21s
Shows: 6h17m40s
